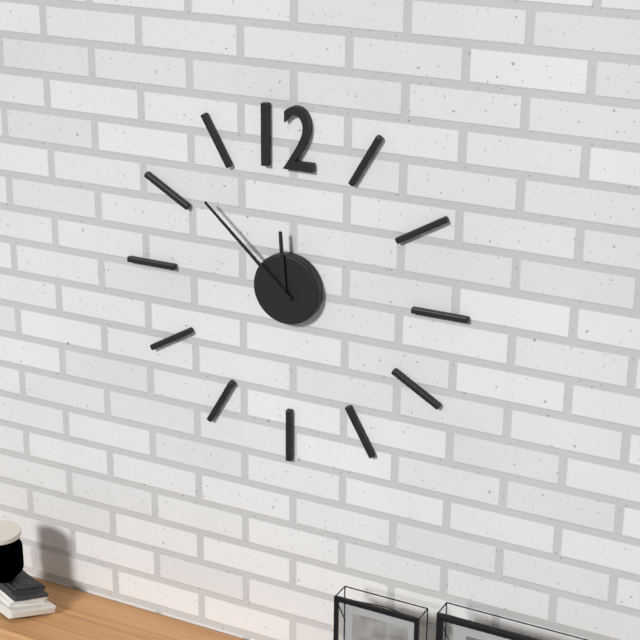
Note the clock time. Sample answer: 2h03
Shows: 11h52
